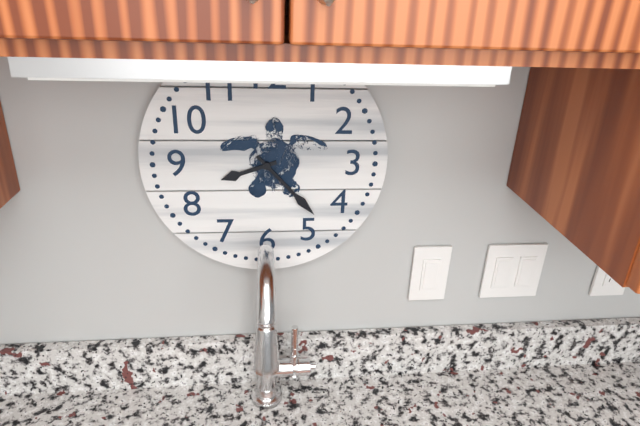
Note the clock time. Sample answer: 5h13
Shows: 8h23
